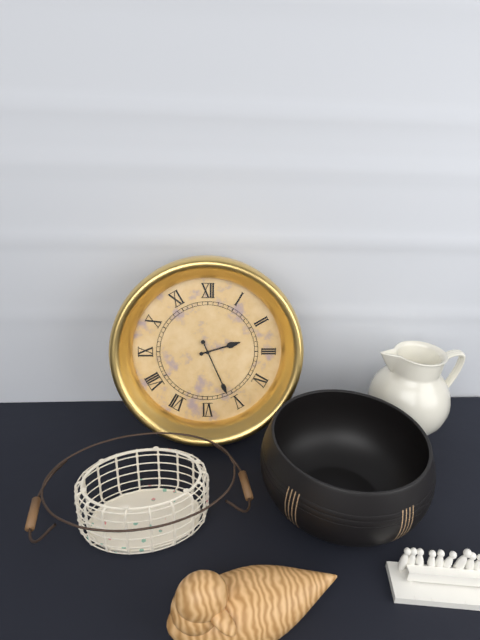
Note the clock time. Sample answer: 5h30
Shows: 2h26
